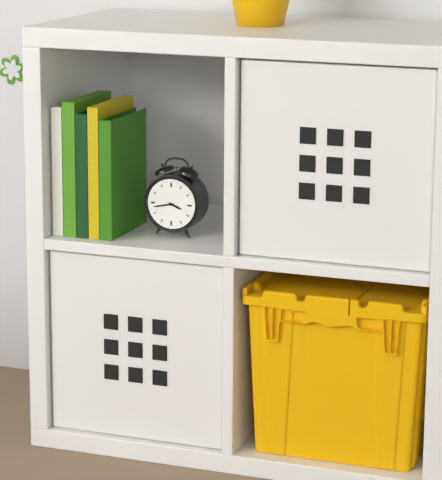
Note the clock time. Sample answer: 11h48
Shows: 3h43
